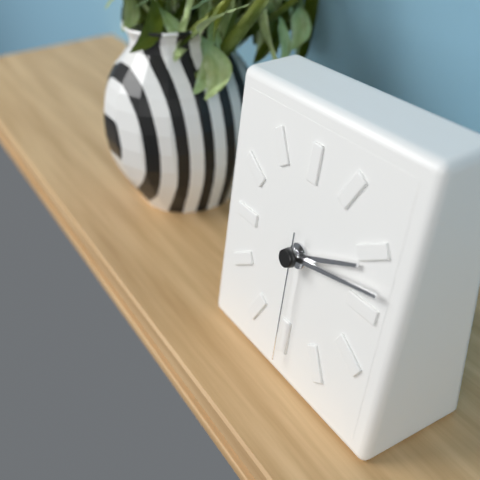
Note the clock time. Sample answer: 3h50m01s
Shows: 2h13m30s
